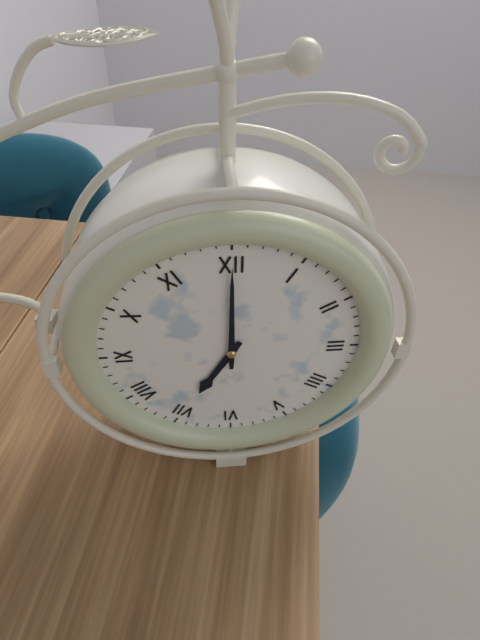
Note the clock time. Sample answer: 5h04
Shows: 7h00
